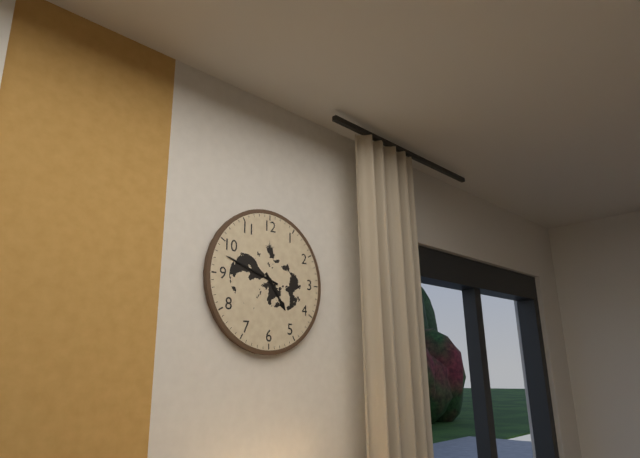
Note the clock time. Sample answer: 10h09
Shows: 4h48
